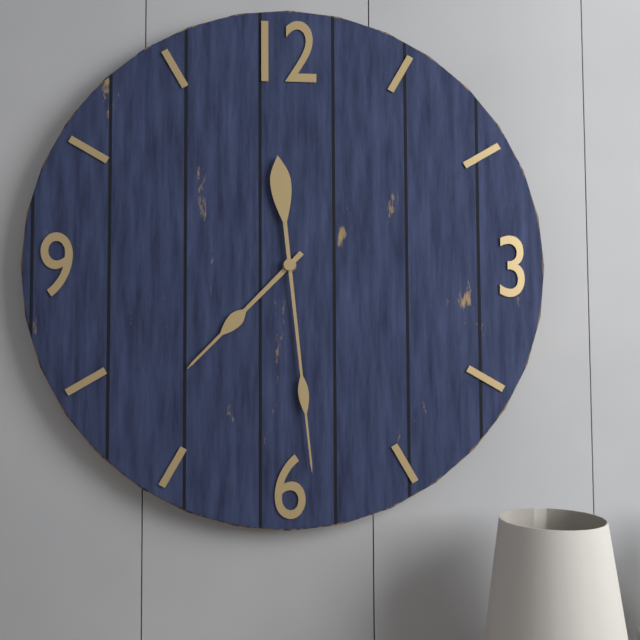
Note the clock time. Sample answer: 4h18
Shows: 7h29
